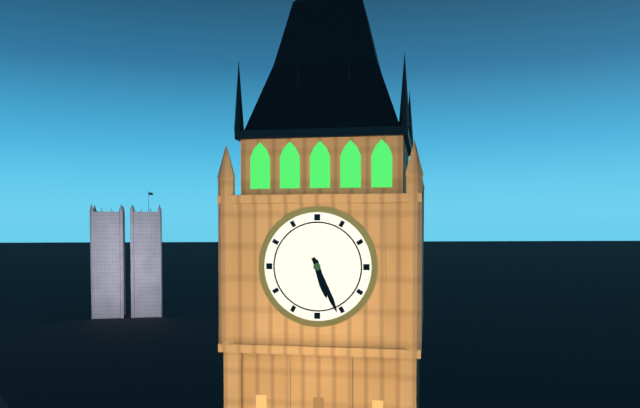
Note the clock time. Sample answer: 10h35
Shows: 5h26
